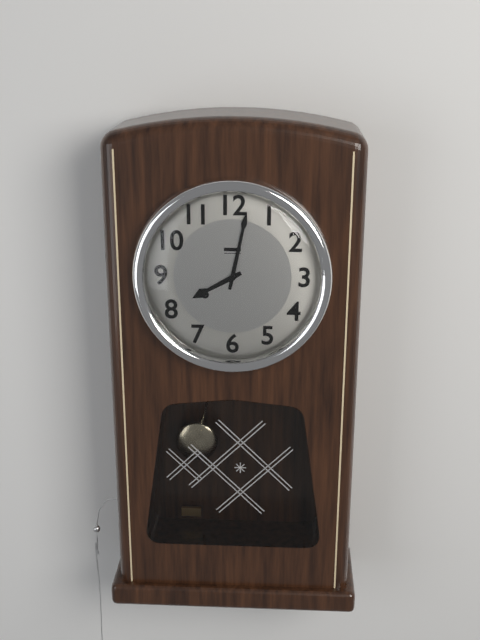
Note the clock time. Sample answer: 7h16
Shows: 8h02
